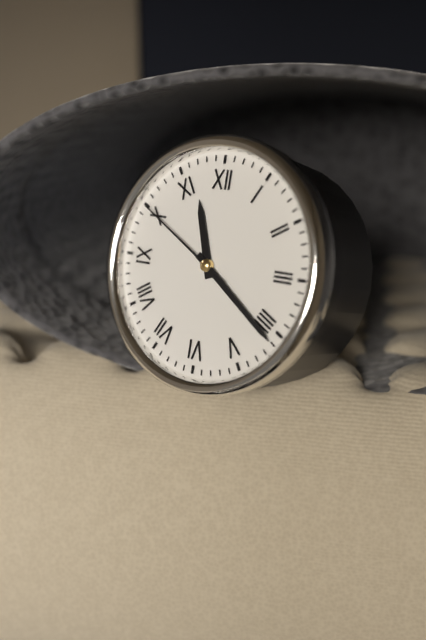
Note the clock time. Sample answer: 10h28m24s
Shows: 11h21m50s
